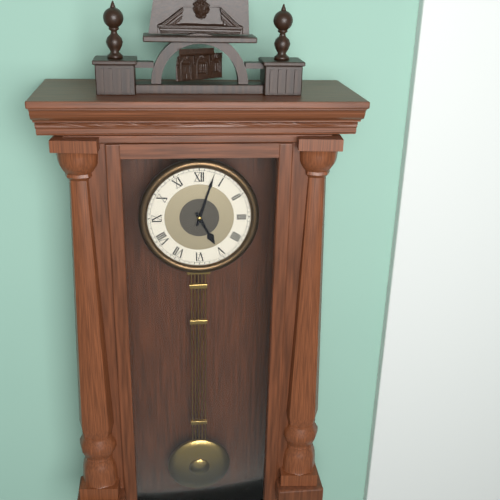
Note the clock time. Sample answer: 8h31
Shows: 5h03
